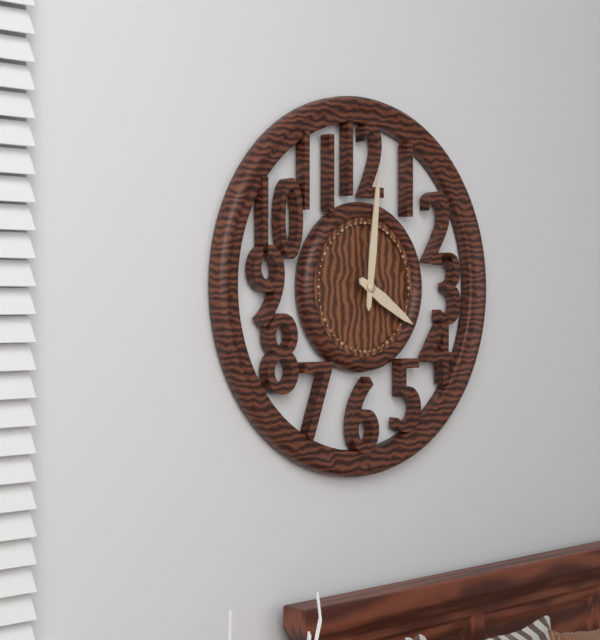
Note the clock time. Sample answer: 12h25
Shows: 4h01
